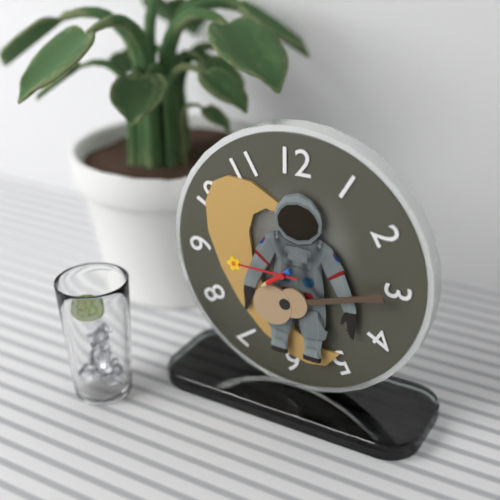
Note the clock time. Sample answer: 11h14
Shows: 7h45
